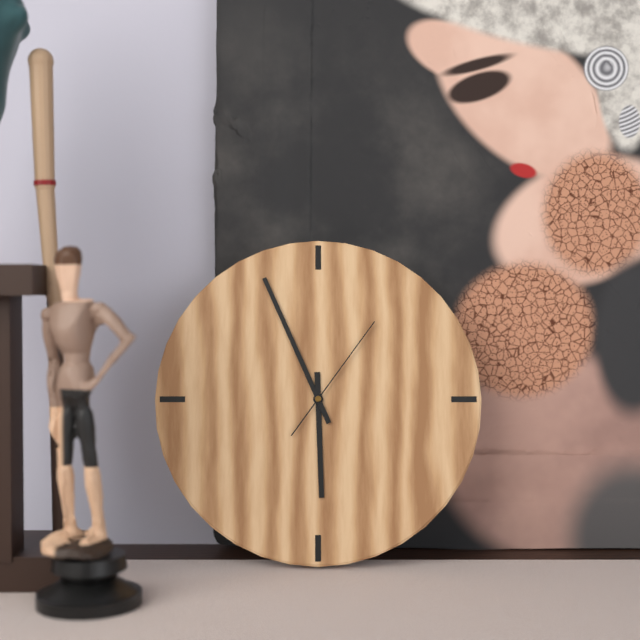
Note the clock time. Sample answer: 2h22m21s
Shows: 5h56m06s
